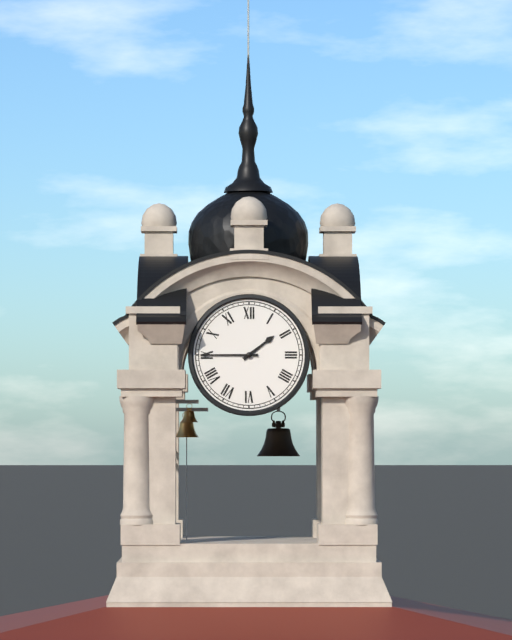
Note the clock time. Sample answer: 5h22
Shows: 1h45
